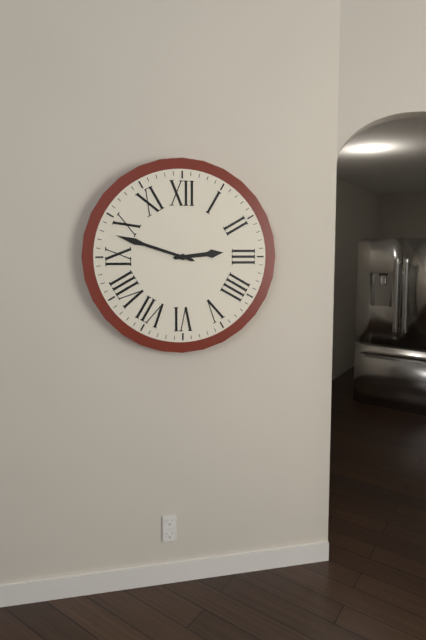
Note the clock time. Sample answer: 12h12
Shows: 2h48
